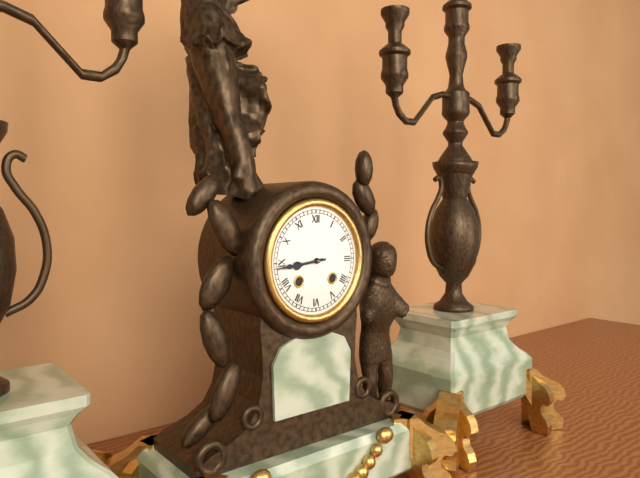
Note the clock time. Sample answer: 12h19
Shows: 8h44
